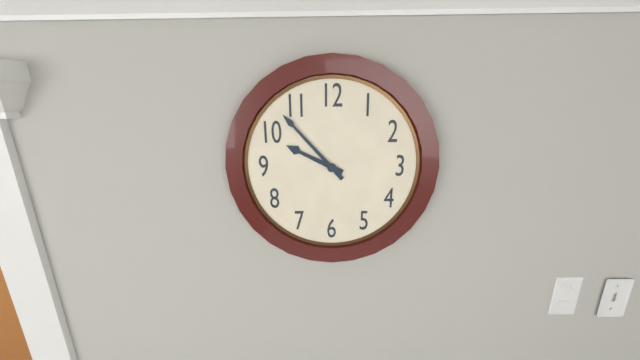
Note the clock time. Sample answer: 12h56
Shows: 9h53
